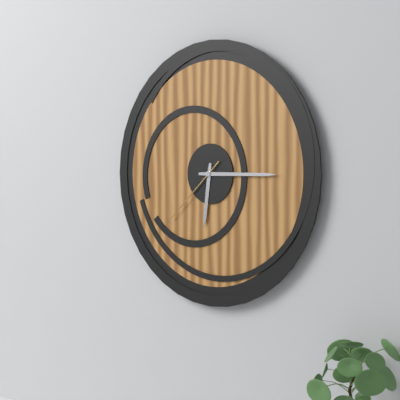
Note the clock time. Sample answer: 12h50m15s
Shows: 6h15m38s
